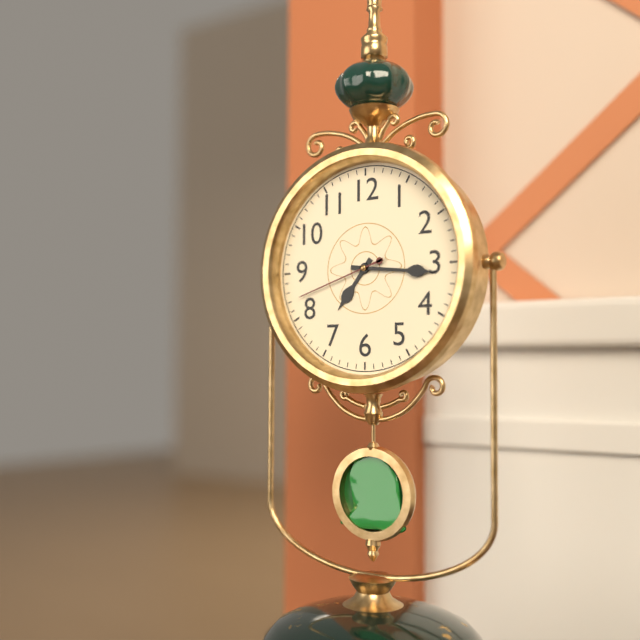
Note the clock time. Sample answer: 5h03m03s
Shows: 7h16m42s
